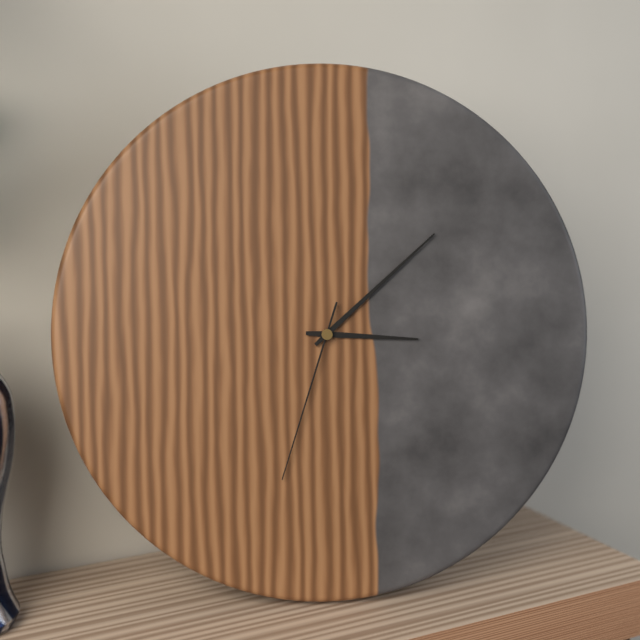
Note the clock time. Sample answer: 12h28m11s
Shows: 3h08m33s
